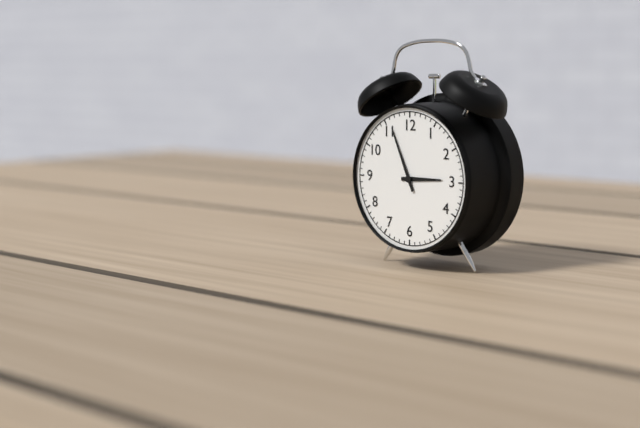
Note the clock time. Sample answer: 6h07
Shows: 2h56
